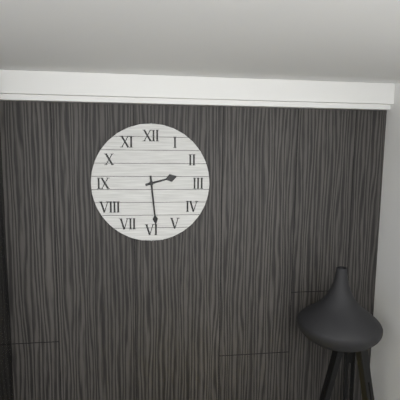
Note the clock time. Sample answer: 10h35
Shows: 2h29
